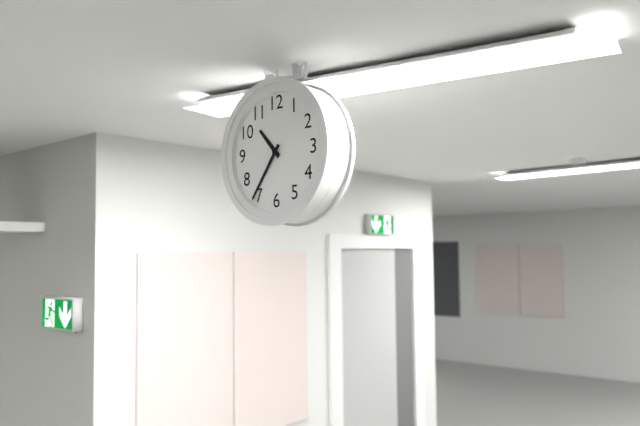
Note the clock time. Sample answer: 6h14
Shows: 10h36
